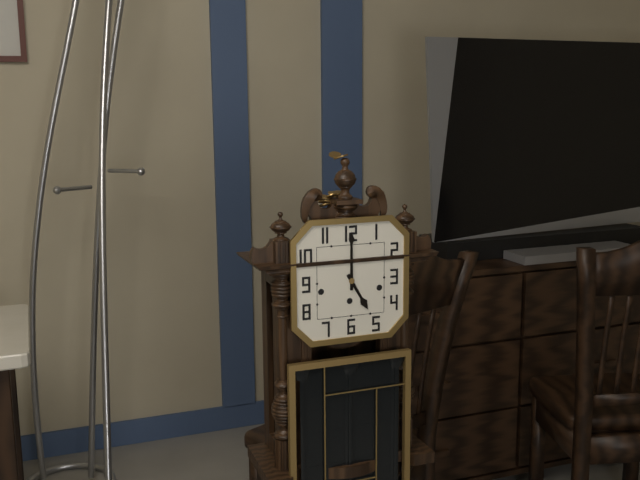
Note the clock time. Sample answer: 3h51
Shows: 5h00
